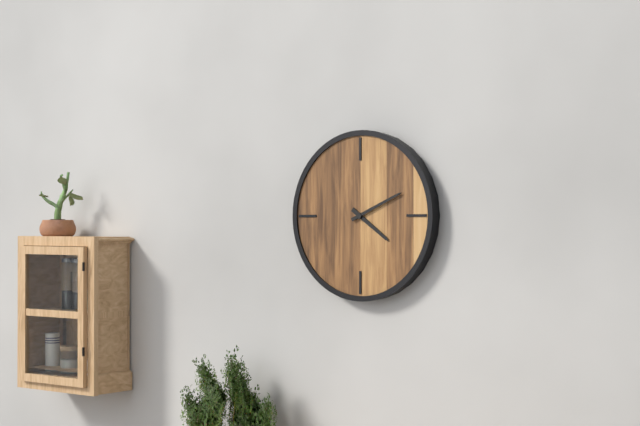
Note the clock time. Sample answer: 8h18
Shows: 4h11
